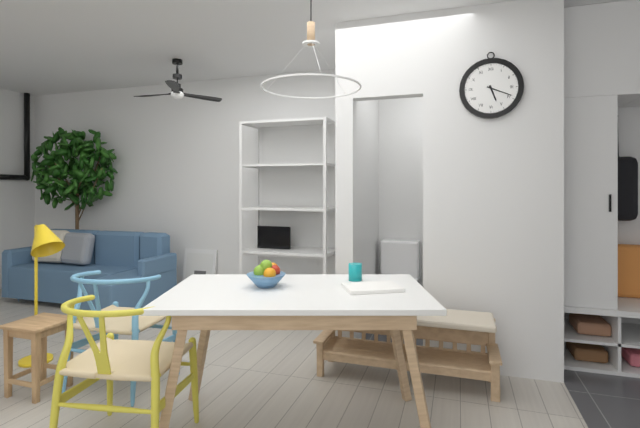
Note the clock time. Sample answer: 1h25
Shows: 5h19
